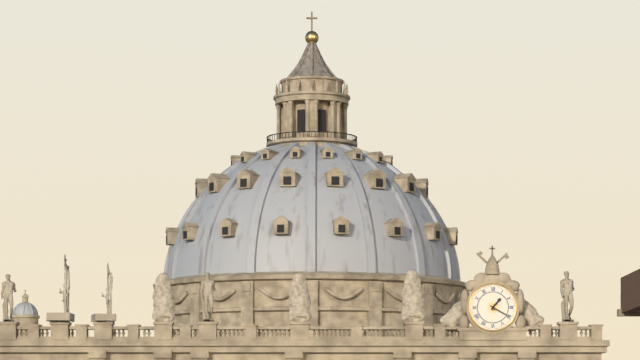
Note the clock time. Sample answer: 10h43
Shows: 1h20
